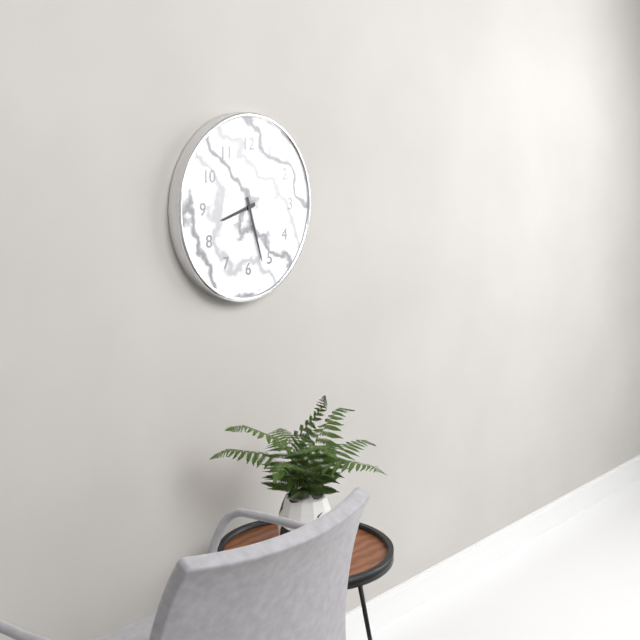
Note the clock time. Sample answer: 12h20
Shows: 8h27
